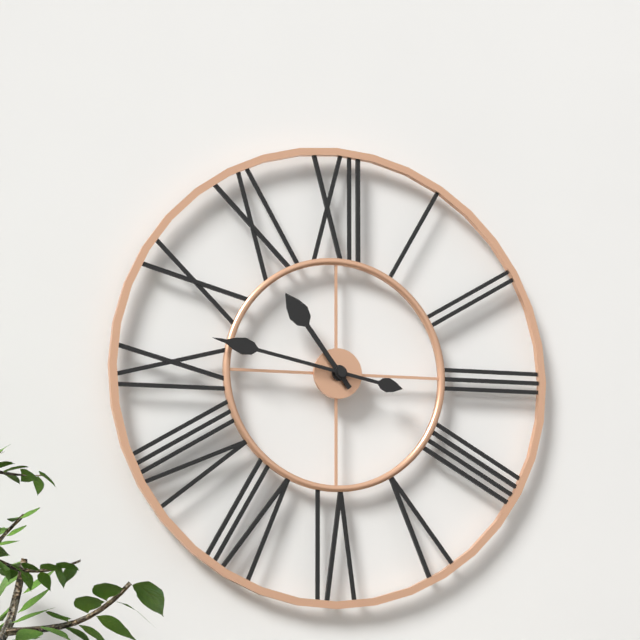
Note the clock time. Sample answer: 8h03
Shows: 10h47
